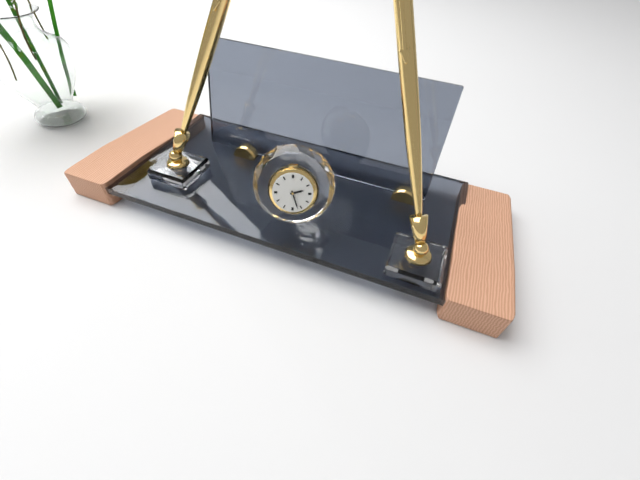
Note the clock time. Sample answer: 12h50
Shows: 2h27
